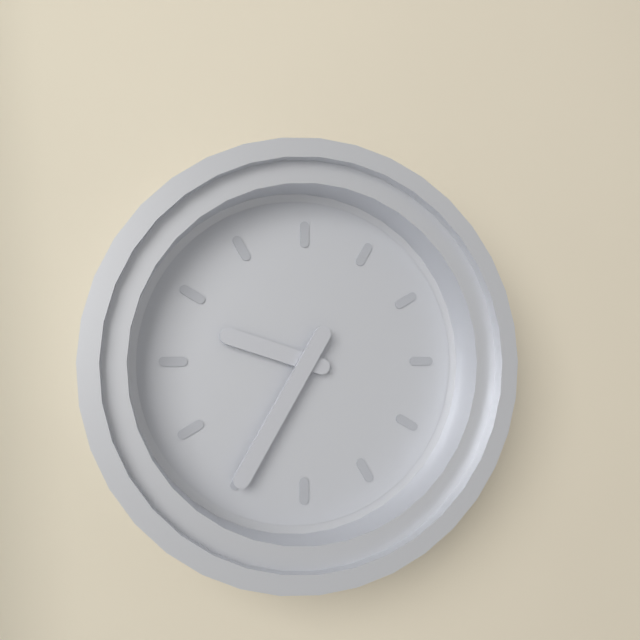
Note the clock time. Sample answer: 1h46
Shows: 9h35
